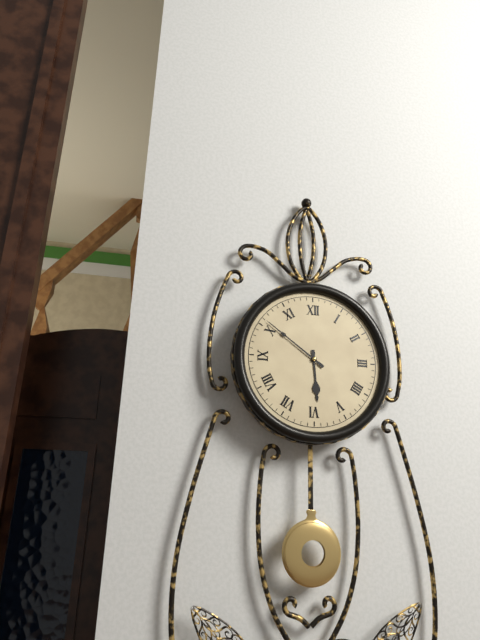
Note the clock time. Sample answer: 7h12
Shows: 5h51
